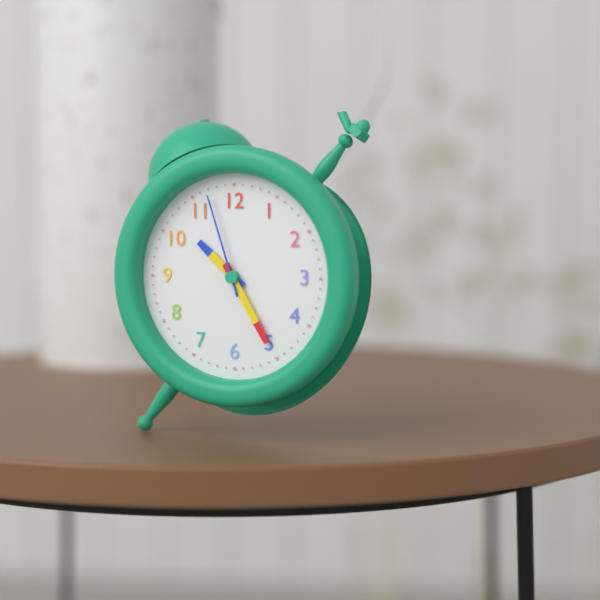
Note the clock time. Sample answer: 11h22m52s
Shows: 10h25m57s
